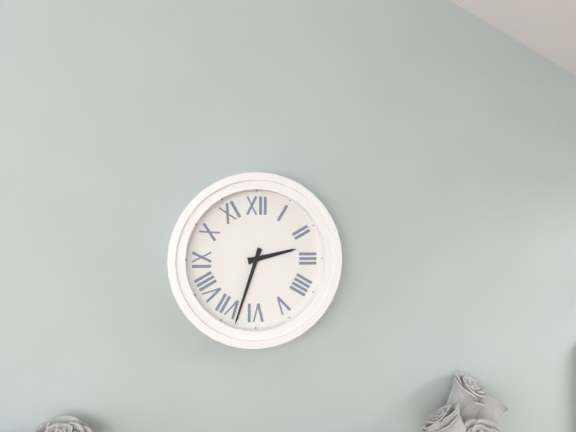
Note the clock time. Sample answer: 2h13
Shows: 2h33
